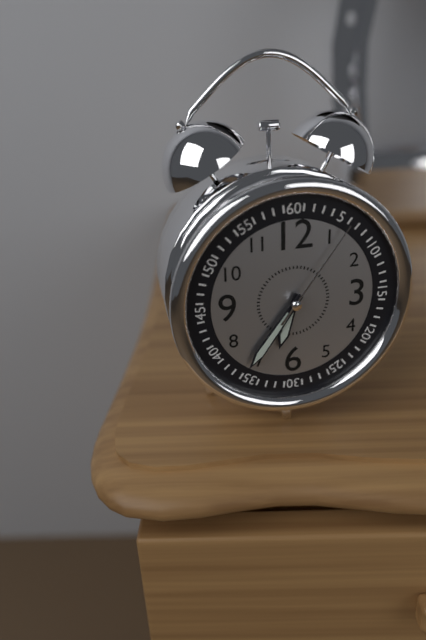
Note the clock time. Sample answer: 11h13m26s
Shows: 6h36m06s
